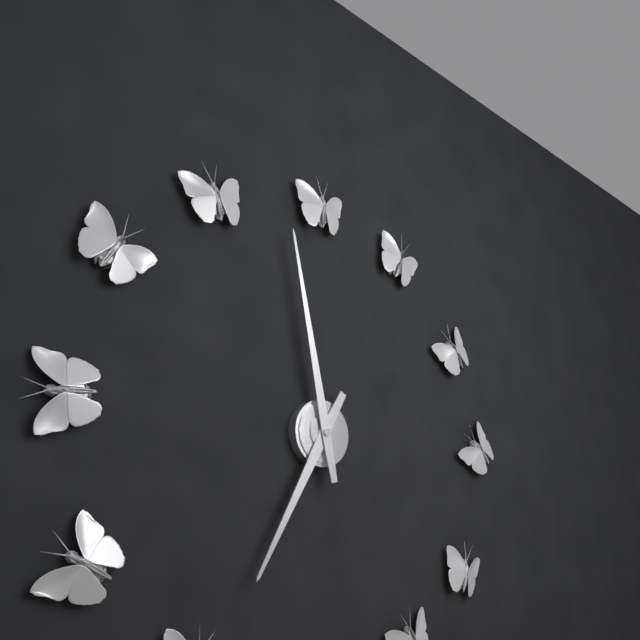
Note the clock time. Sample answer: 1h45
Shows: 6h58
